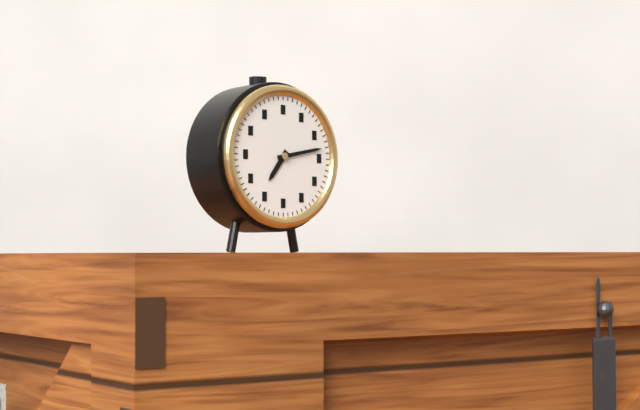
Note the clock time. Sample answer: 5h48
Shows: 7h13
